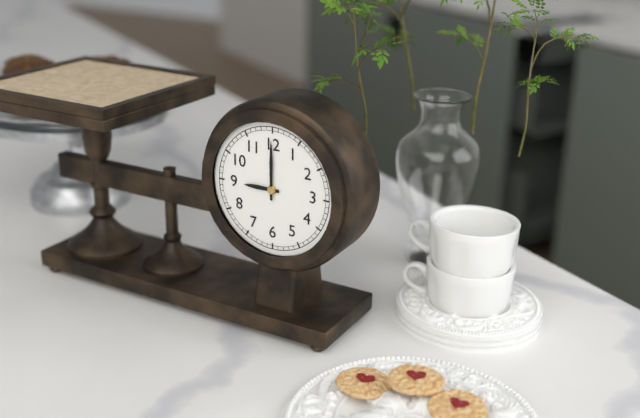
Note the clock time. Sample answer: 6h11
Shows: 9h00
